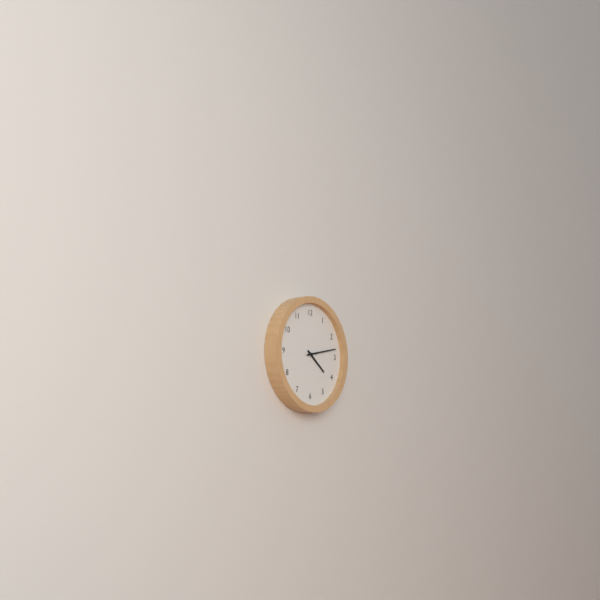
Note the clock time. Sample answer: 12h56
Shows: 4h13
